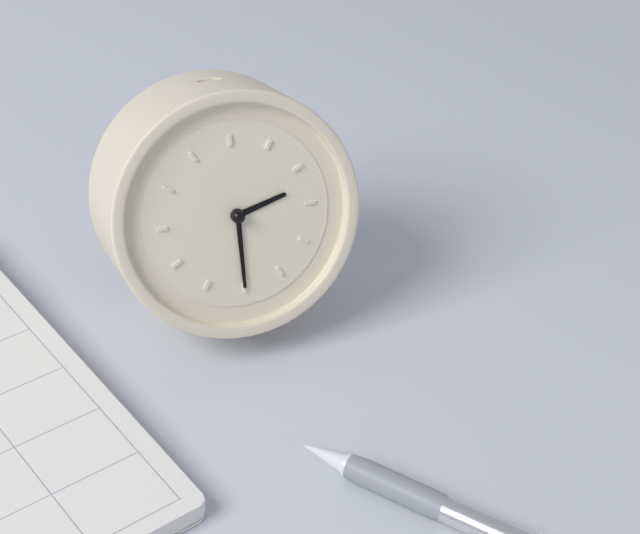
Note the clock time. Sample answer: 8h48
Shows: 2h30
